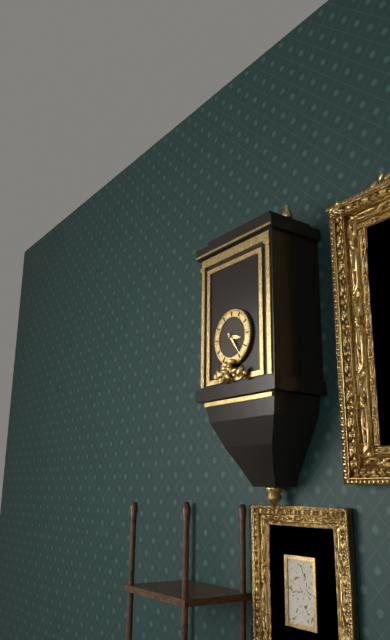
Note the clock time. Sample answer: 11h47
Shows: 3h24
